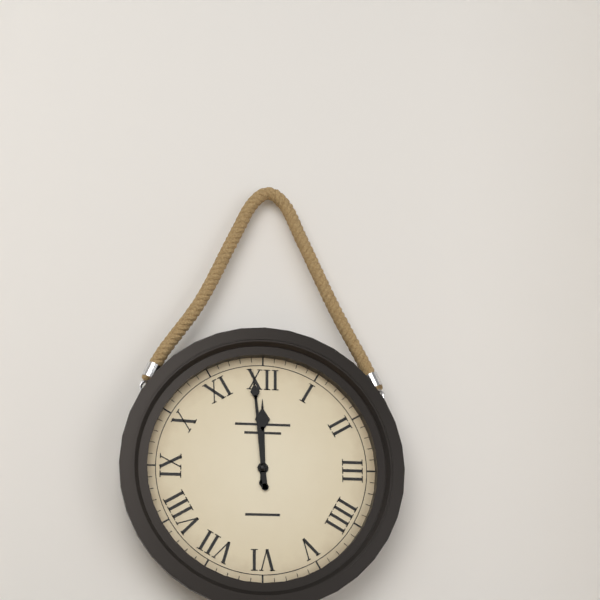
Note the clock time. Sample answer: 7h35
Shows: 11h59
